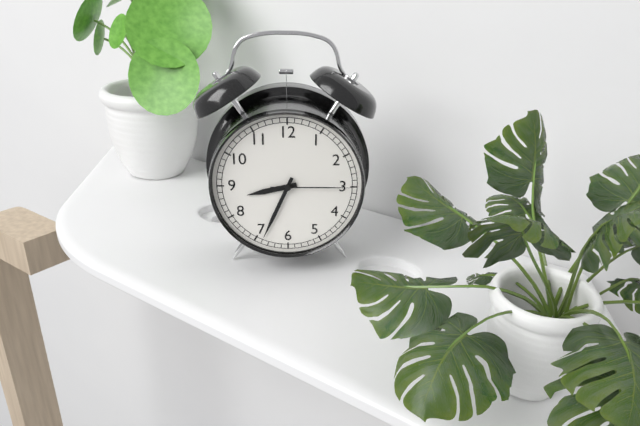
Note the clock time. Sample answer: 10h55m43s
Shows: 8h34m15s
